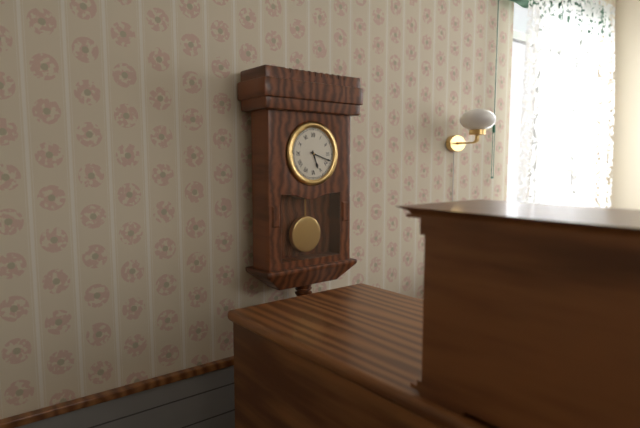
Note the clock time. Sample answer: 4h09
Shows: 5h18
